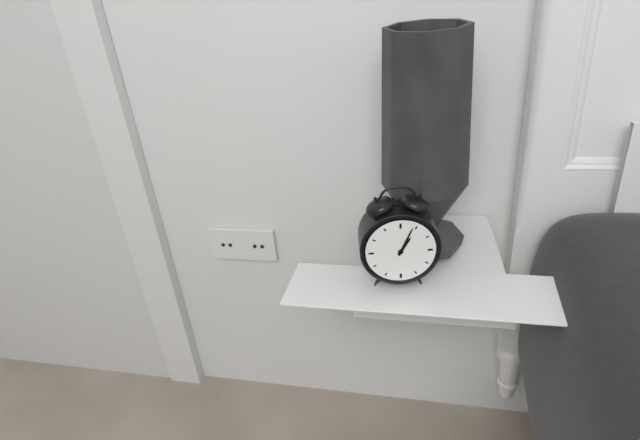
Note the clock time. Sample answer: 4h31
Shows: 1h04
